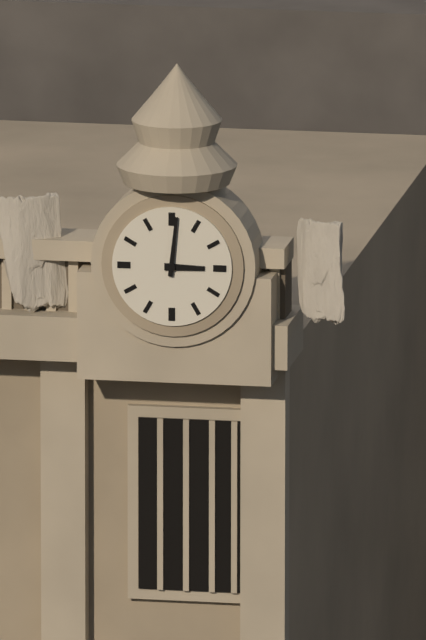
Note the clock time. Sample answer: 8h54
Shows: 3h01
